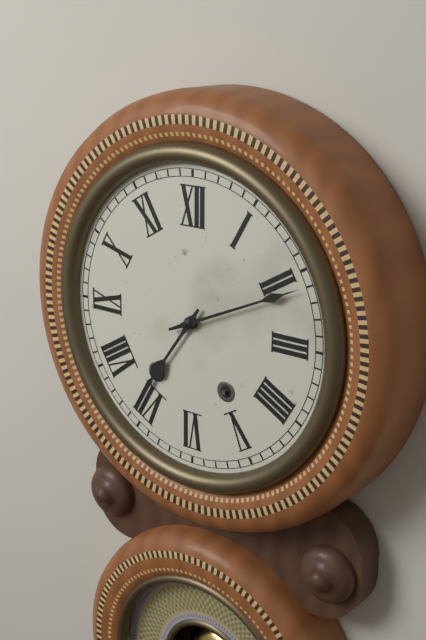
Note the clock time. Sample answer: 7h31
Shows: 7h11
